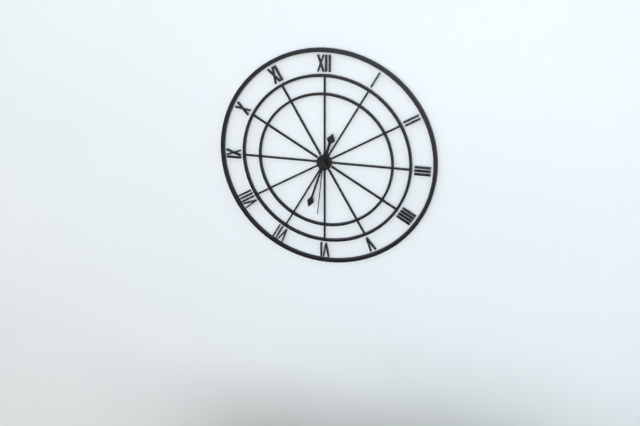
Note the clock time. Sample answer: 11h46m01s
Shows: 12h33m31s
